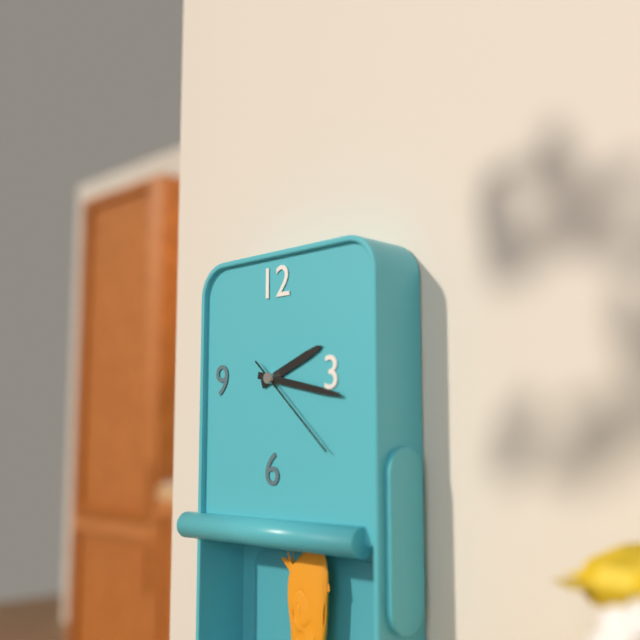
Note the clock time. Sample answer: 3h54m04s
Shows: 2h17m22s
